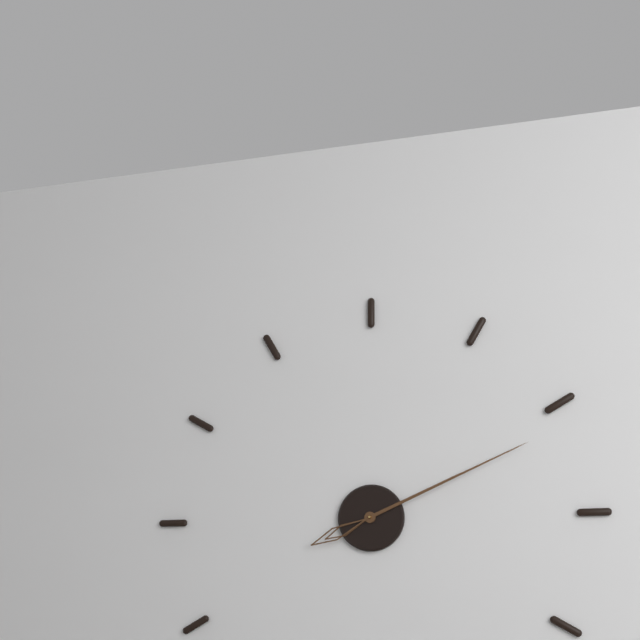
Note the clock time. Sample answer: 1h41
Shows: 2h11
